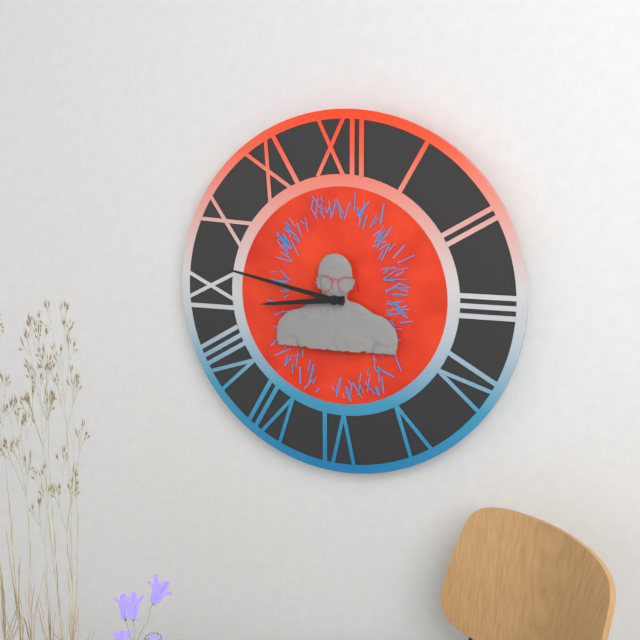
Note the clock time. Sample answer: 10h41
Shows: 8h47
